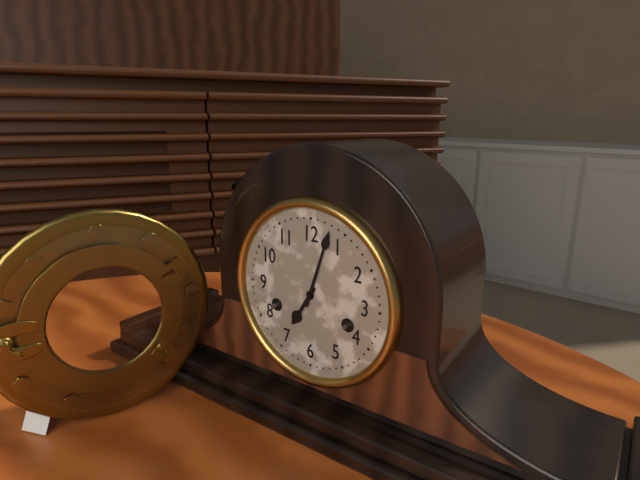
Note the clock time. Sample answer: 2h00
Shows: 7h03
